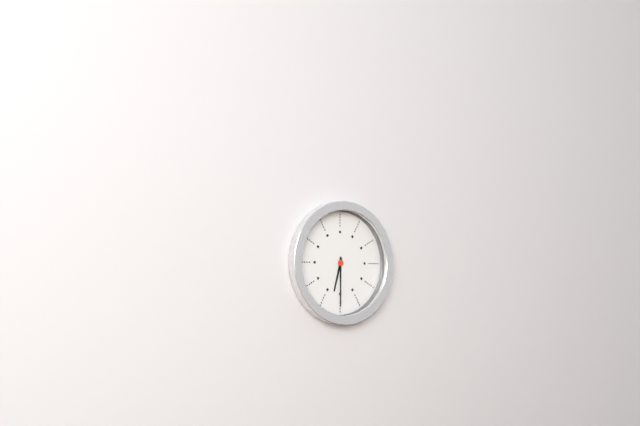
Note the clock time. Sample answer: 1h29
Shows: 6h30
